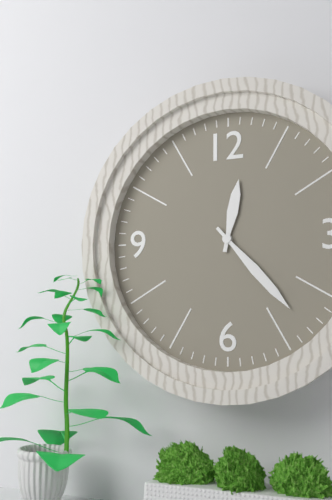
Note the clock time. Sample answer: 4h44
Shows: 12h23
